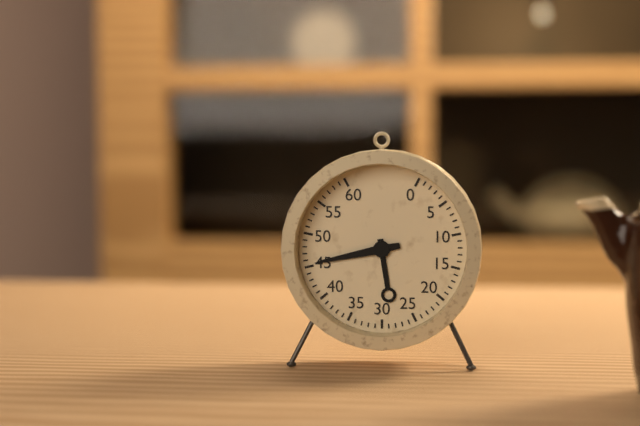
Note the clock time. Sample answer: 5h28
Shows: 5h43
